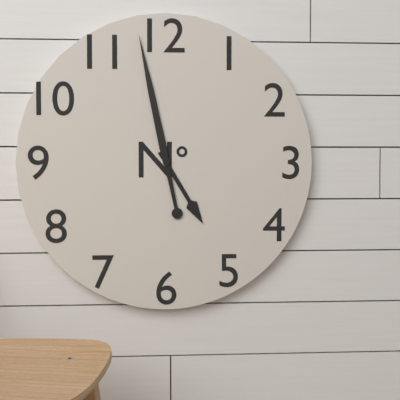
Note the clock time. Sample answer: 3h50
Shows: 4h58
